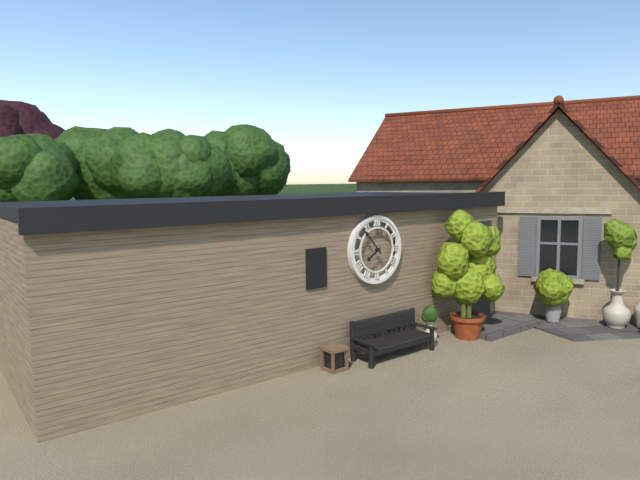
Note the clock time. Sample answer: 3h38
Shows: 7h53
